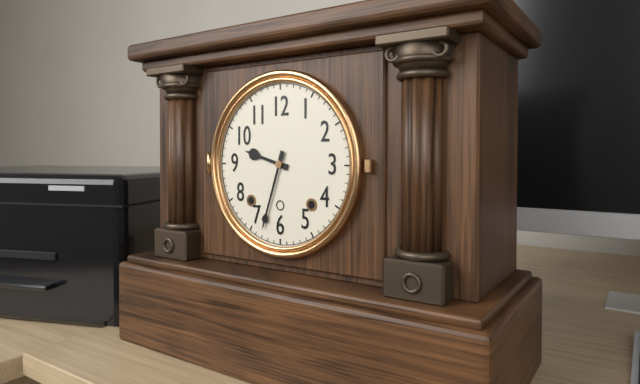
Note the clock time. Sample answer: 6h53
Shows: 9h33
